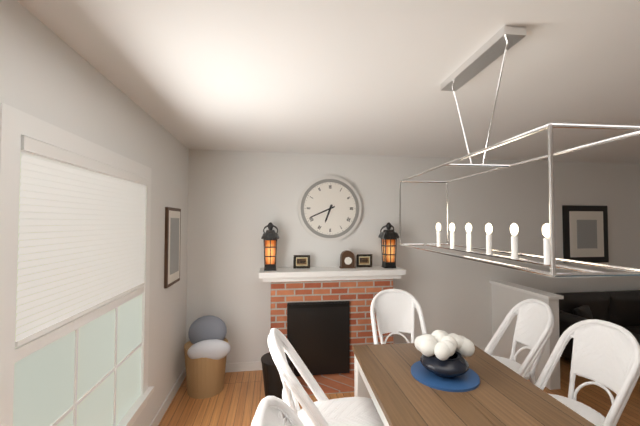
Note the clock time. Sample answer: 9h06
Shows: 6h41
